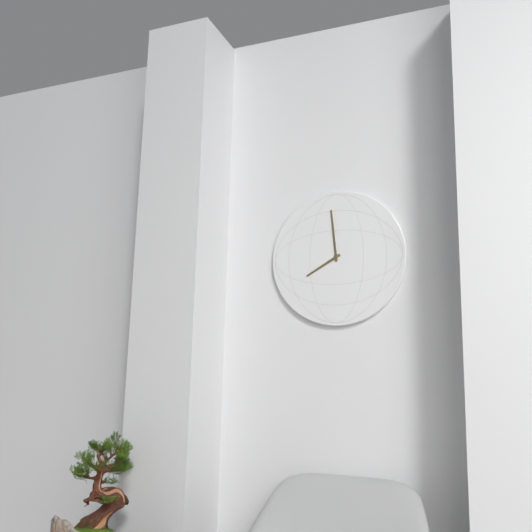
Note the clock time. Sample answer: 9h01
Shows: 7h59
